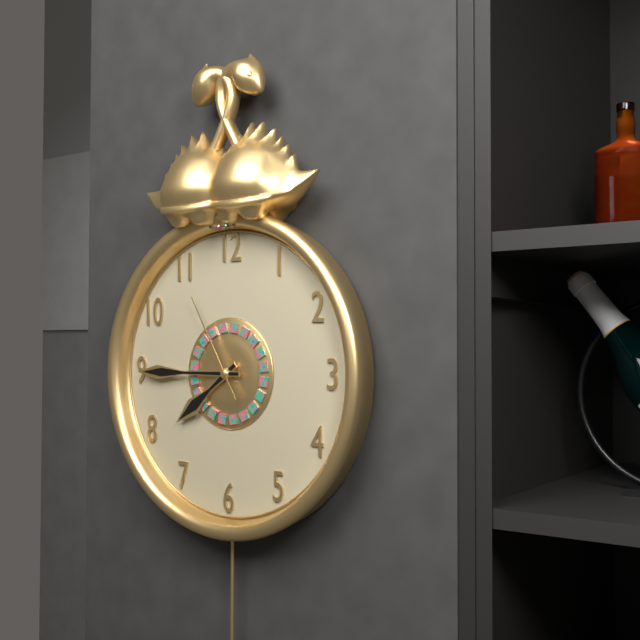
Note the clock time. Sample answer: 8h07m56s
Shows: 7h45m55s
